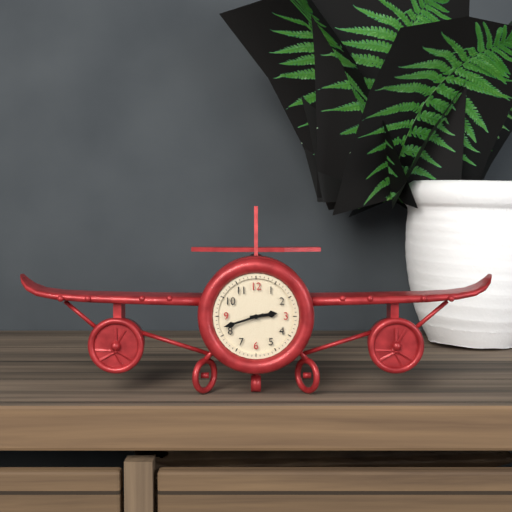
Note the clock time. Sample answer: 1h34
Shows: 2h42
